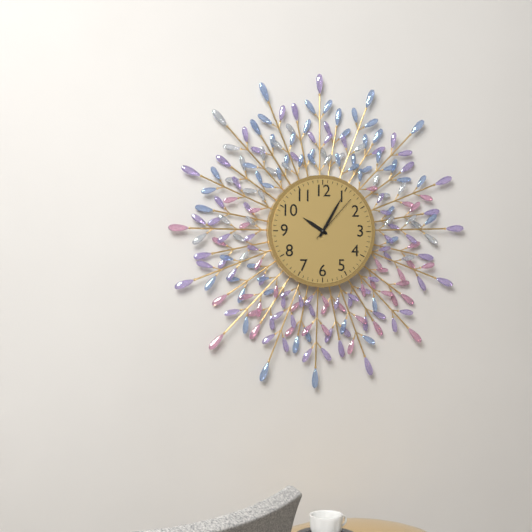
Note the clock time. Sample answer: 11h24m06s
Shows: 10h05m07s
